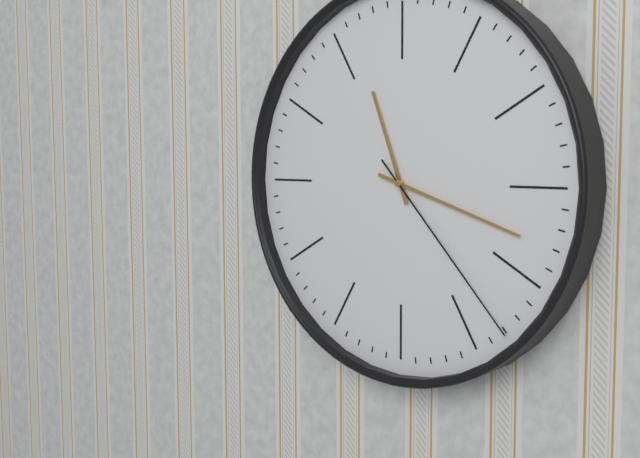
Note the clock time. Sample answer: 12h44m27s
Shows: 11h18m23s
